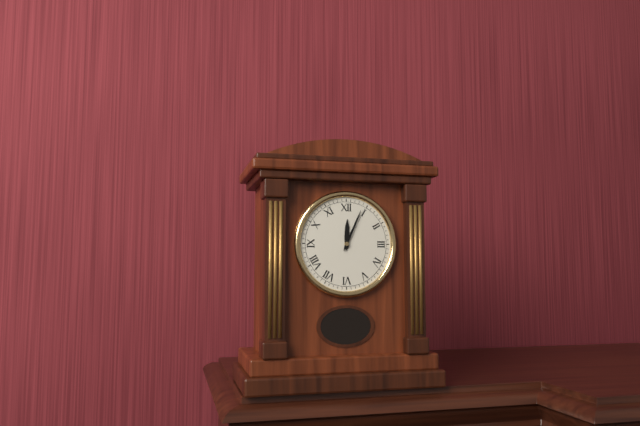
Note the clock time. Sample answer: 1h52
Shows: 12h04
